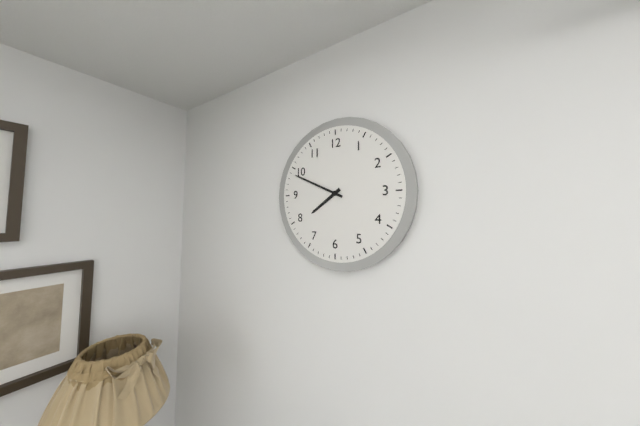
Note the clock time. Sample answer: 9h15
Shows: 7h49
